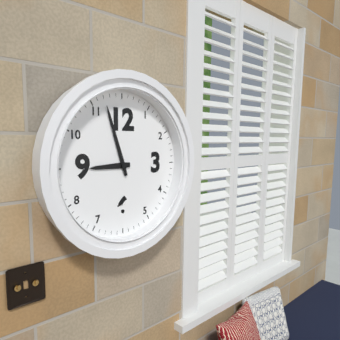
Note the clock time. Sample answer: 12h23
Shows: 8h57
